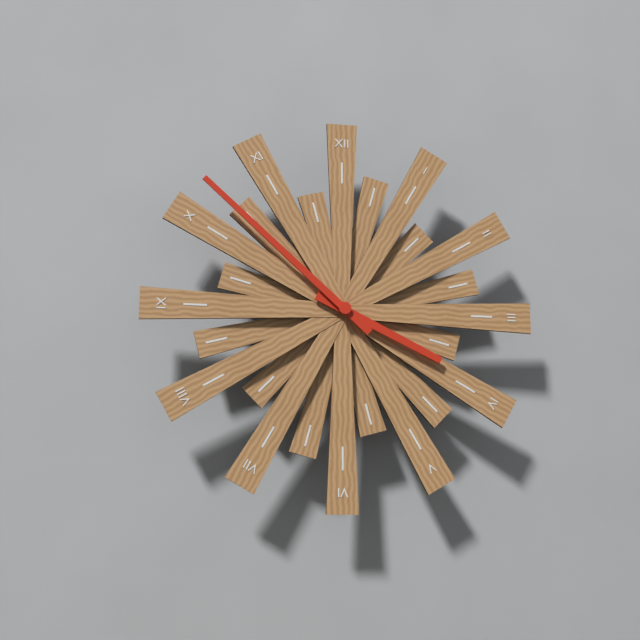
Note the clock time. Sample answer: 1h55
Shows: 3h52
